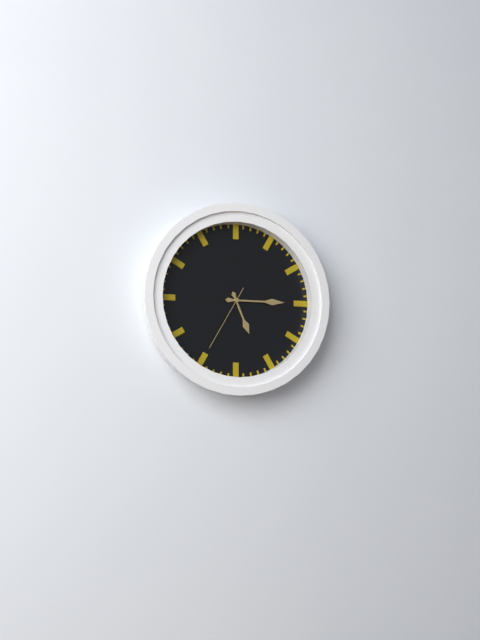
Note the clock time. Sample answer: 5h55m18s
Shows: 5h15m35s
